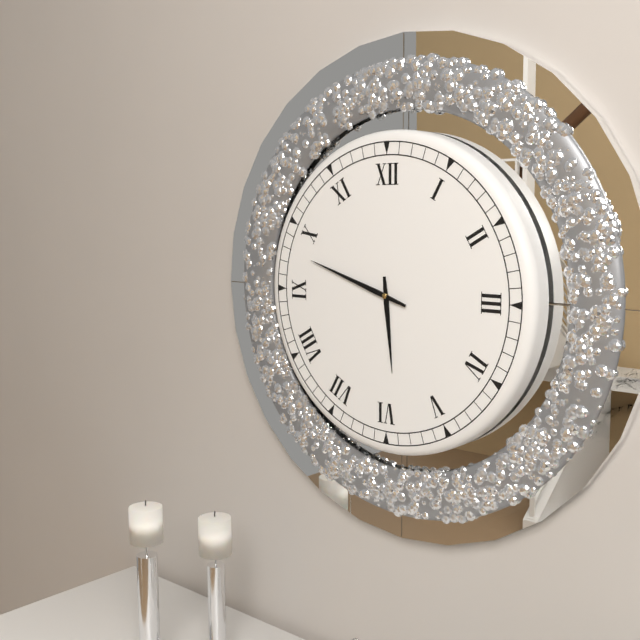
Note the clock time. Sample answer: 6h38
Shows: 5h48
